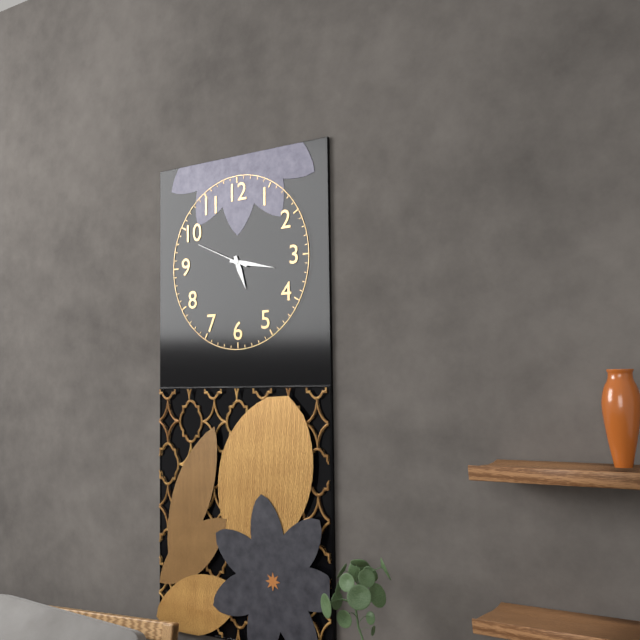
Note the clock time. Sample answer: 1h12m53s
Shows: 5h17m49s
